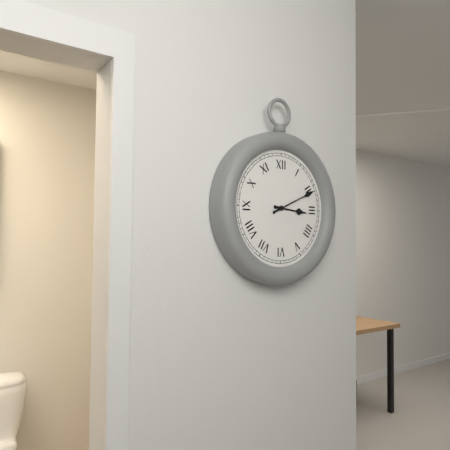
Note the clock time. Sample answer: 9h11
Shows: 3h11
